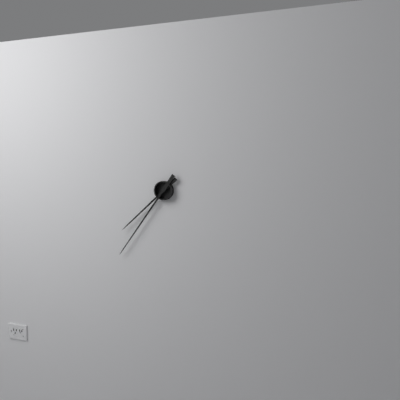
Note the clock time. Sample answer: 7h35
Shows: 7h36
